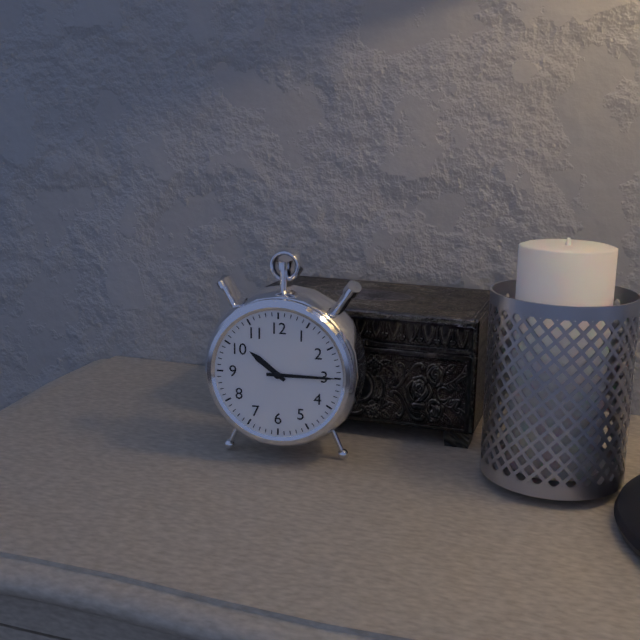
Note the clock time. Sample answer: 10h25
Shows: 10h15
